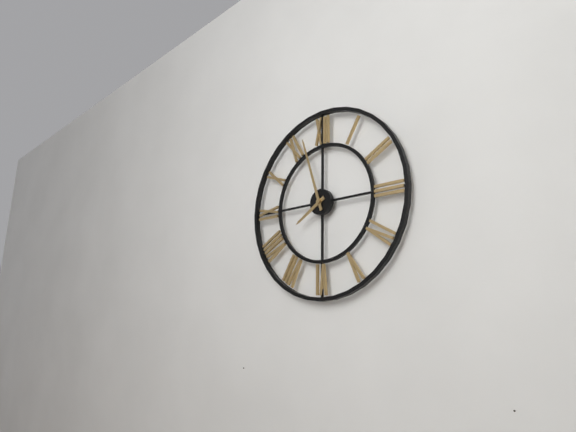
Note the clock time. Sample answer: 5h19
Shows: 7h57
